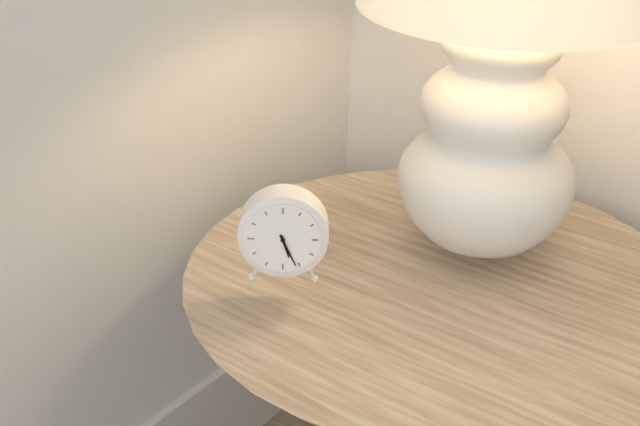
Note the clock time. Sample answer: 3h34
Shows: 5h26
